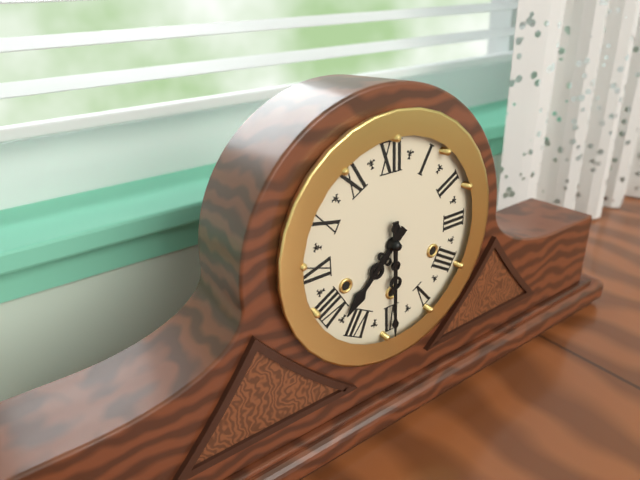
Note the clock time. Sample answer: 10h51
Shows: 7h30
